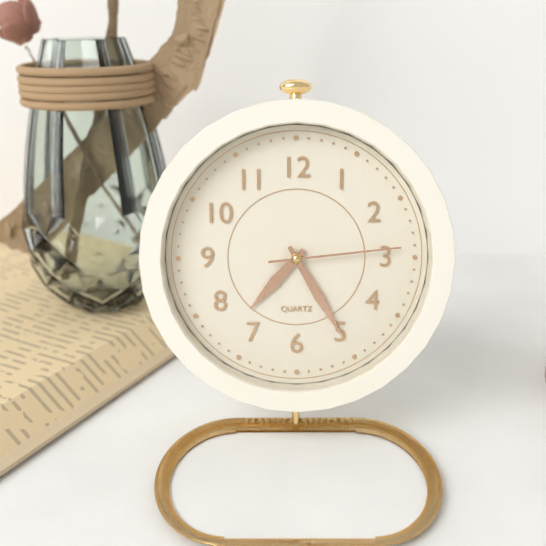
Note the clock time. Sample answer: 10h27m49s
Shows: 7h25m14s
